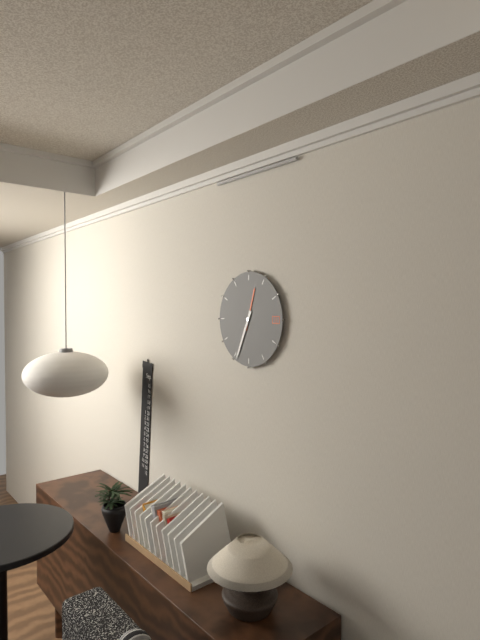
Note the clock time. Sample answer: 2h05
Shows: 12h34
